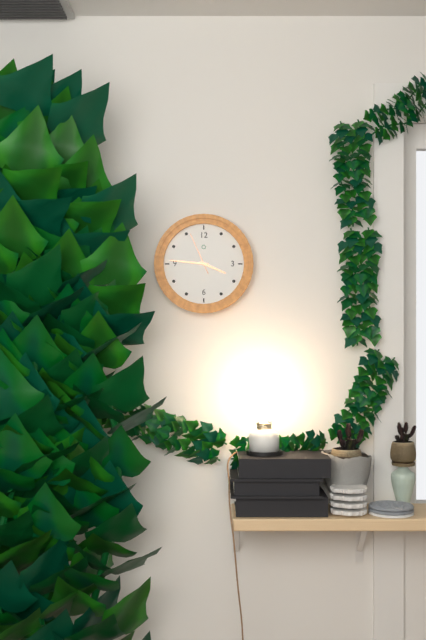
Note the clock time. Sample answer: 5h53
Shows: 3h46
